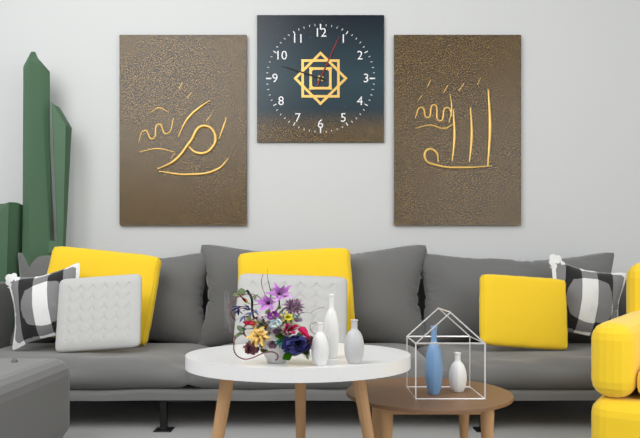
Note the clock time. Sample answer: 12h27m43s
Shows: 12h48m04s
